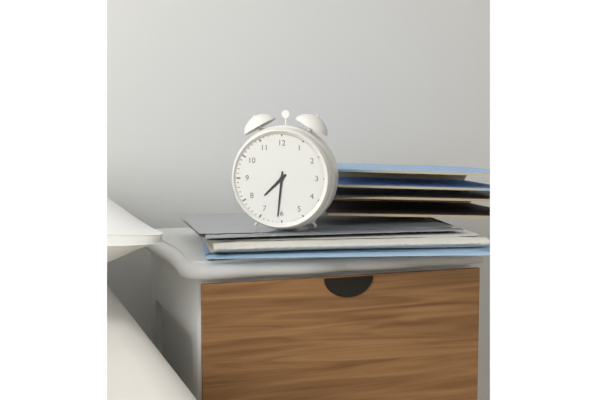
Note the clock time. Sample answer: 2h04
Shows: 7h31
